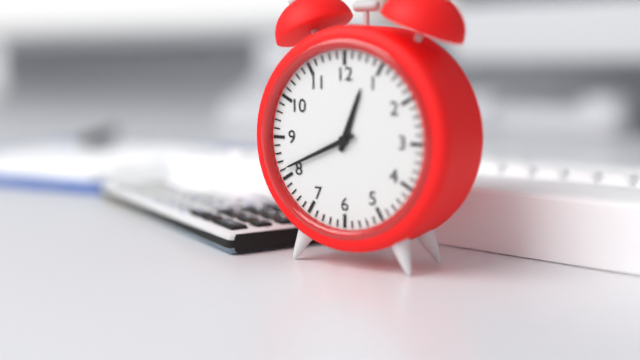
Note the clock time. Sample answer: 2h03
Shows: 12h41
